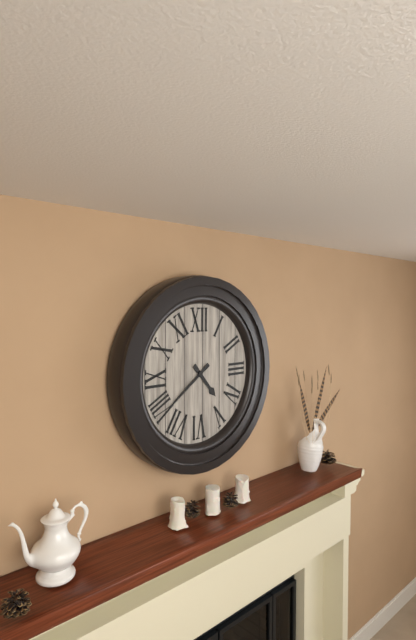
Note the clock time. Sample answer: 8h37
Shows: 4h39
